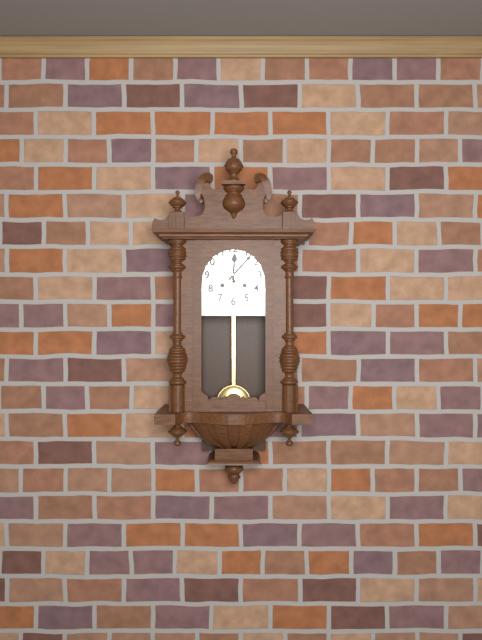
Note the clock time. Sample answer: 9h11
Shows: 12h07
